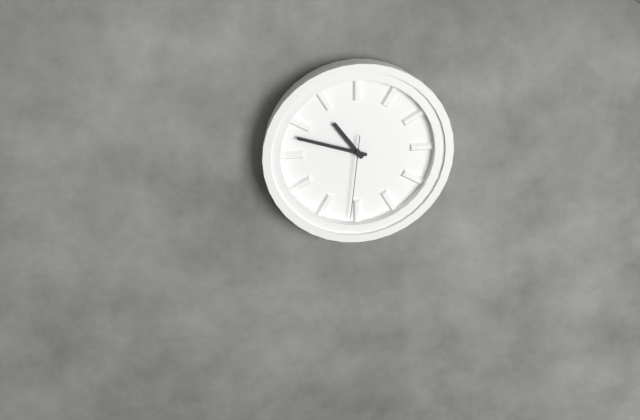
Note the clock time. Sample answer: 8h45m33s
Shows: 10h48m31s
